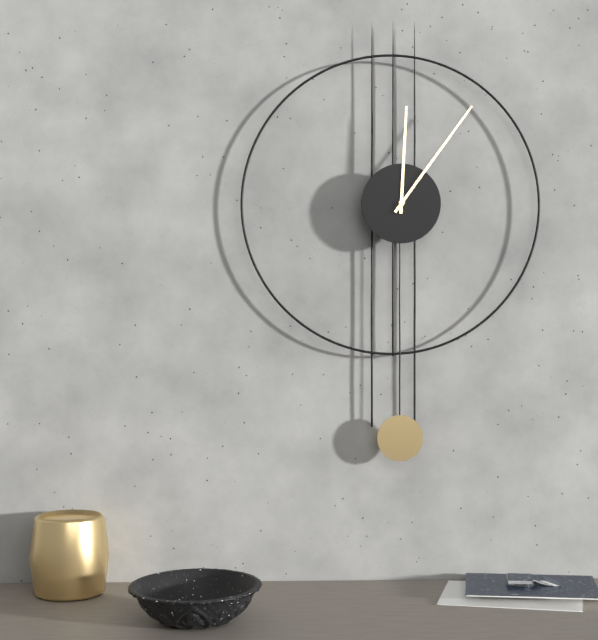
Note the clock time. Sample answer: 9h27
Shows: 12h06
